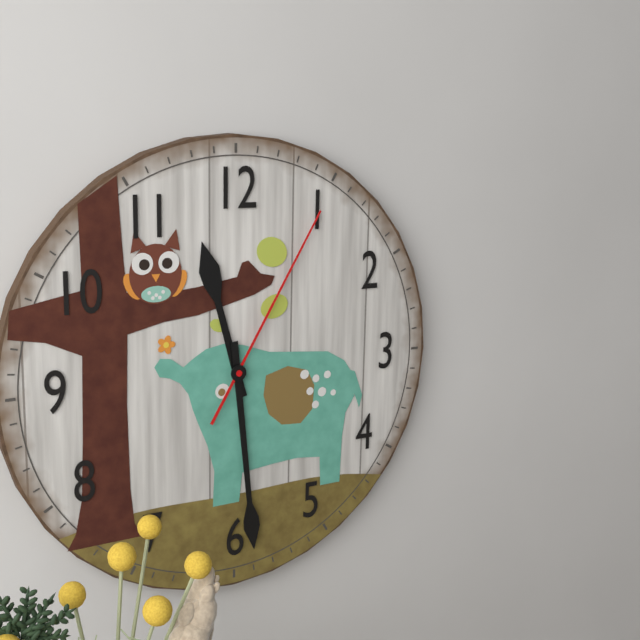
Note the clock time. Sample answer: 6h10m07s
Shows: 11h29m05s
